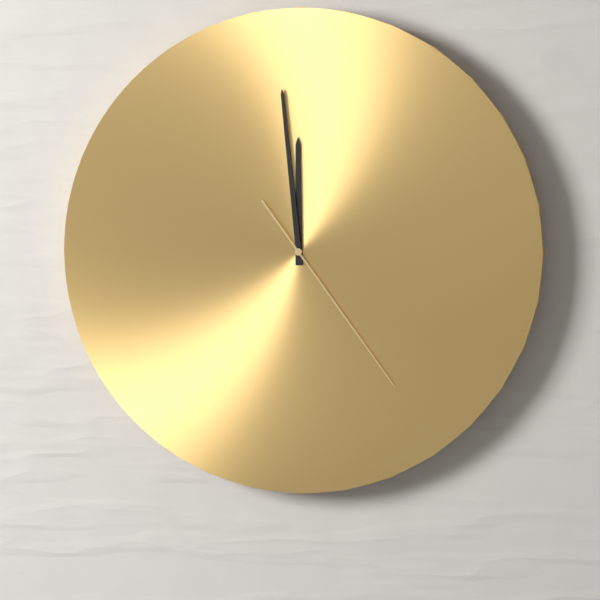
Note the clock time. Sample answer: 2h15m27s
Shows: 11h59m24s
